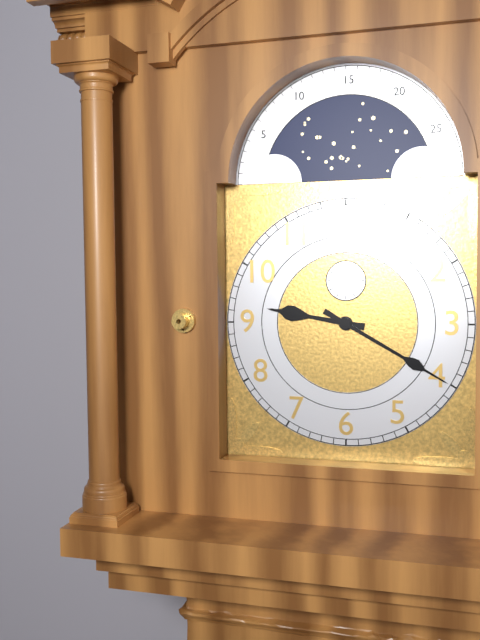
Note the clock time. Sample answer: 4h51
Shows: 9h20
